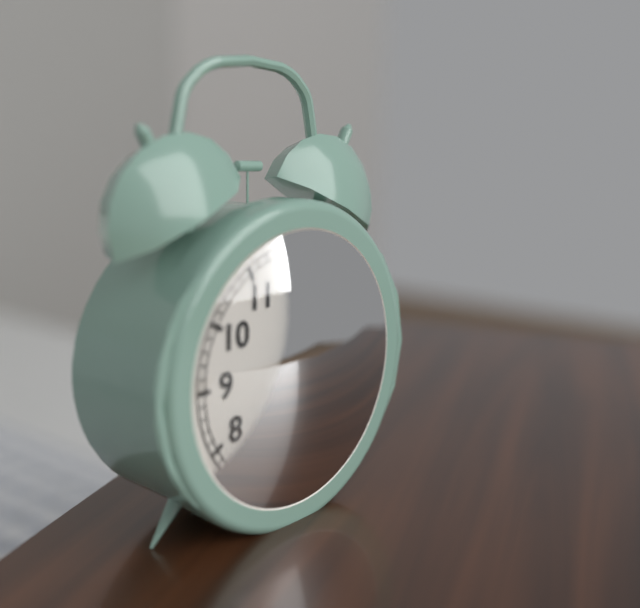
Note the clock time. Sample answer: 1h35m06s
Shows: 5h24m04s
